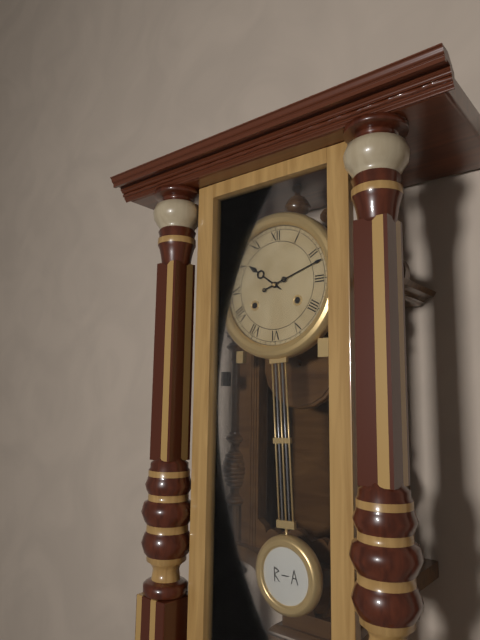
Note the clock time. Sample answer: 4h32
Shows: 10h12
